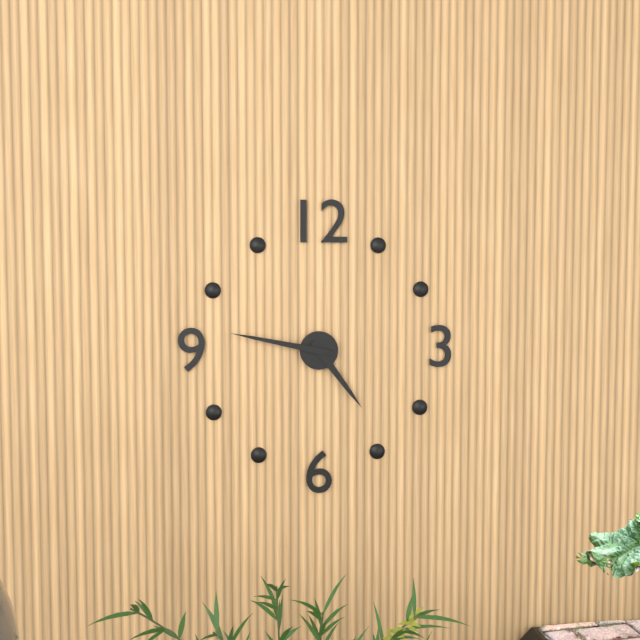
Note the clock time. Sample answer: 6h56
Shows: 4h47
